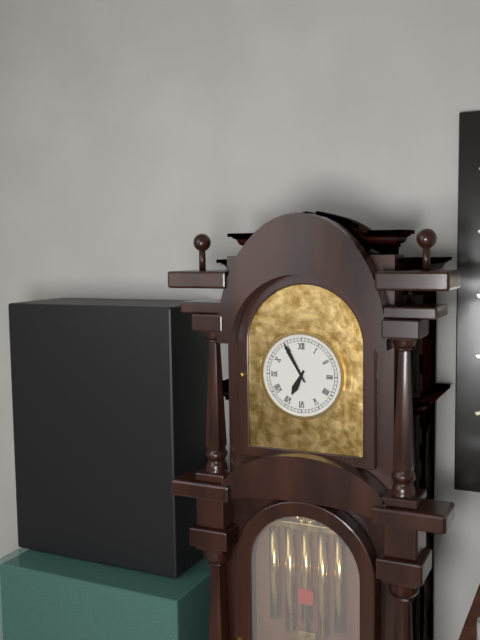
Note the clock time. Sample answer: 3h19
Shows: 6h55
